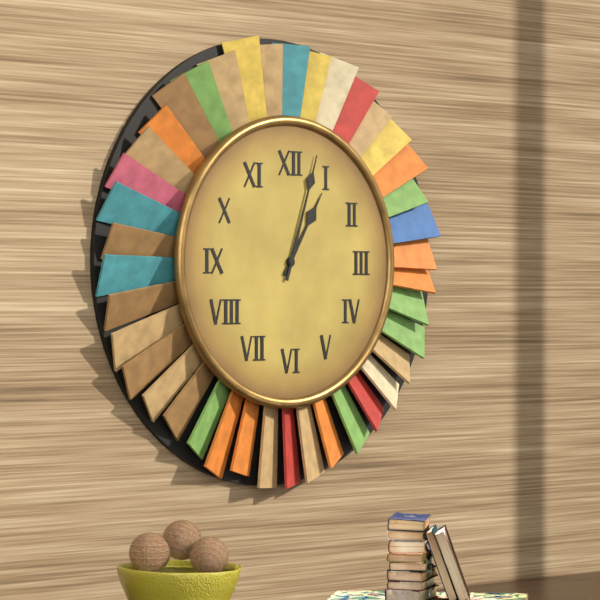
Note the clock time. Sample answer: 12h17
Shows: 1h03
